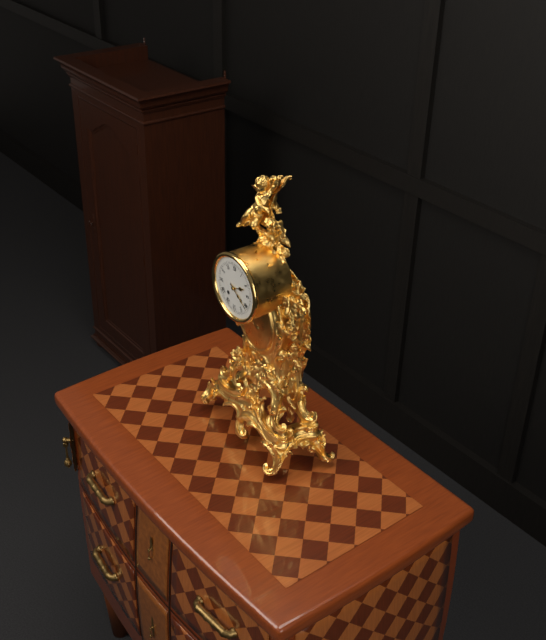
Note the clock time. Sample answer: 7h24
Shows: 2h21
